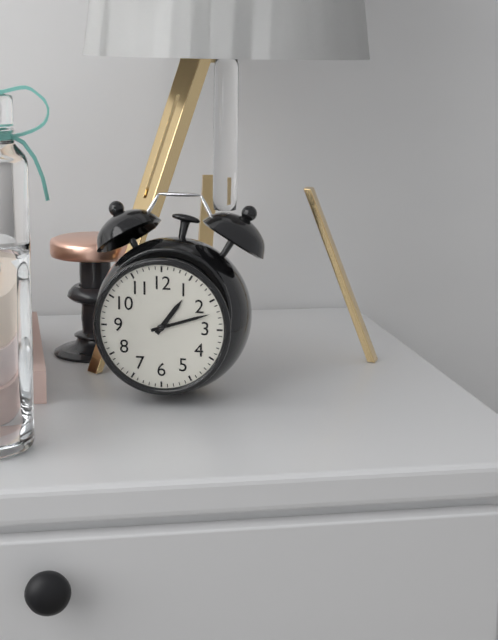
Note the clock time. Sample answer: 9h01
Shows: 1h12
